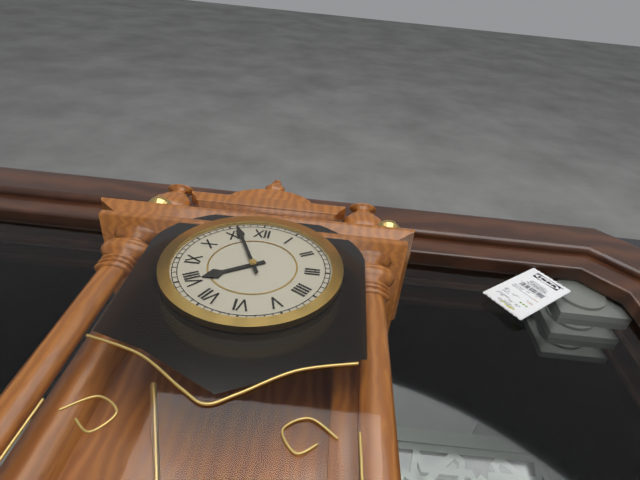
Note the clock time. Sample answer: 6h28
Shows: 7h56
